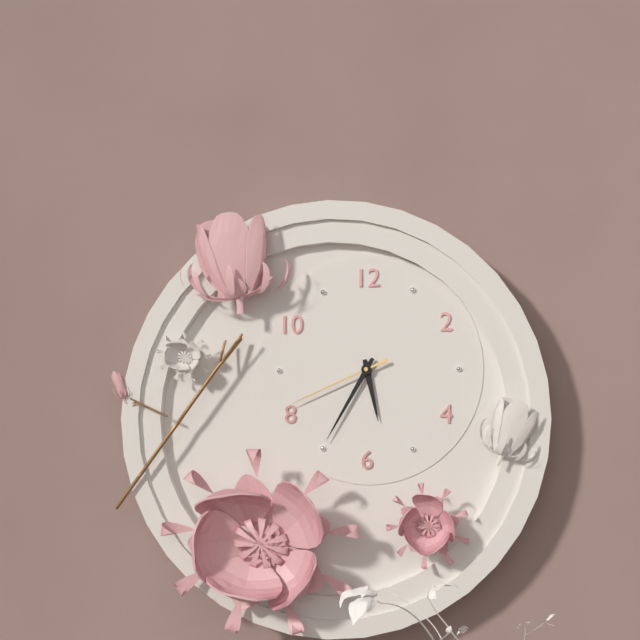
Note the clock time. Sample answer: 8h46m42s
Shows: 5h35m41s
